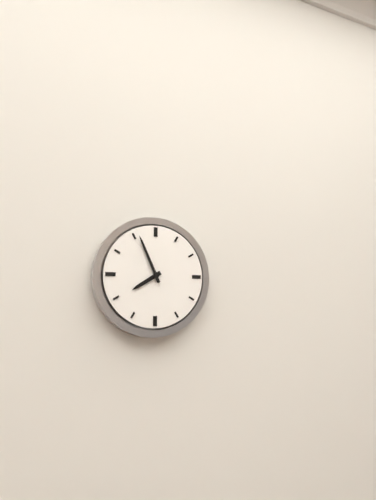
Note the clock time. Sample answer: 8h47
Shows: 7h56
